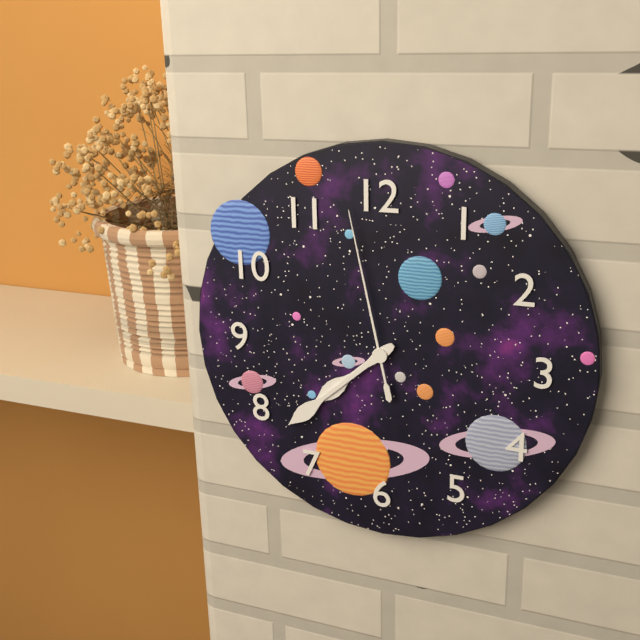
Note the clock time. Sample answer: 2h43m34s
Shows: 7h38m58s
